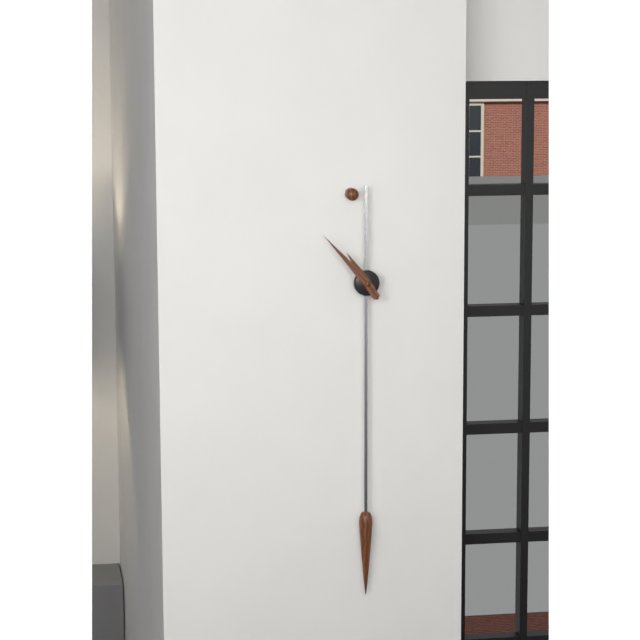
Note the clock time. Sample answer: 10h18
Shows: 10h53
